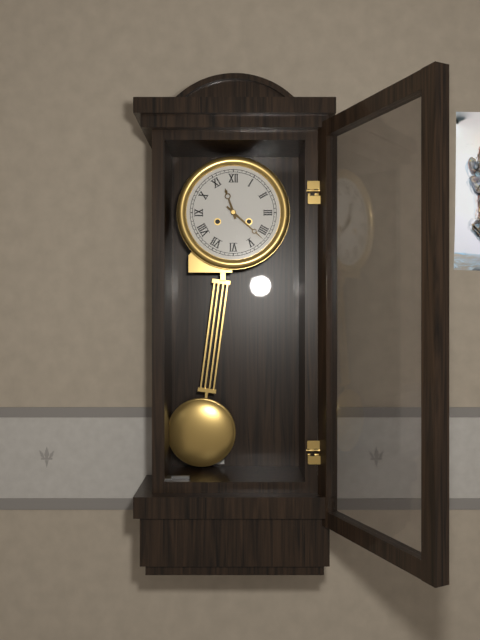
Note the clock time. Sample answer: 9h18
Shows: 11h22
